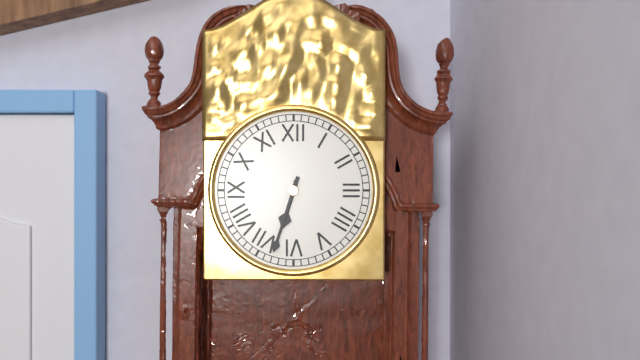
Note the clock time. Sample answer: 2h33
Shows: 6h33
